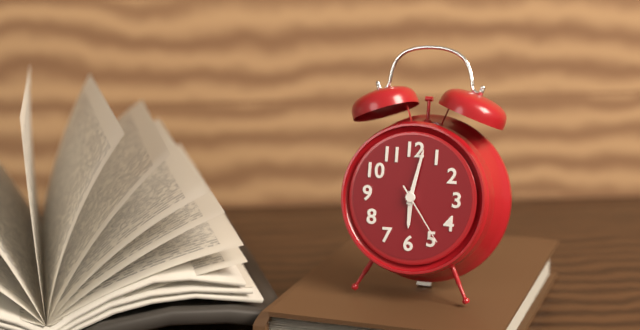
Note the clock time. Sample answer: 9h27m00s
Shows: 6h02m24s
